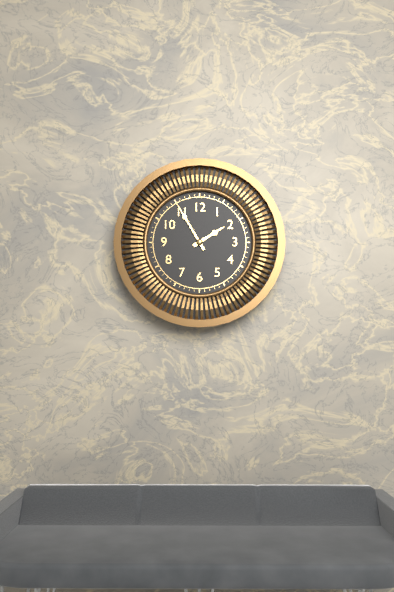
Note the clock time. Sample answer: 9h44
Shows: 1h55
